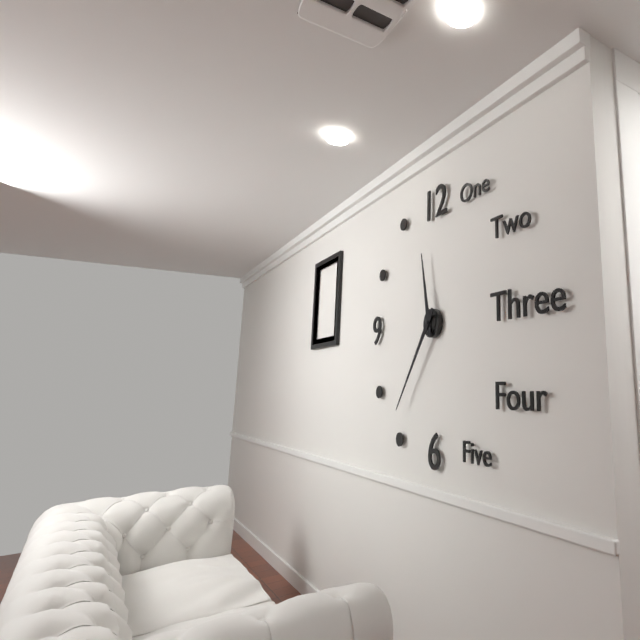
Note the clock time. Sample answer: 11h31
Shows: 11h36
